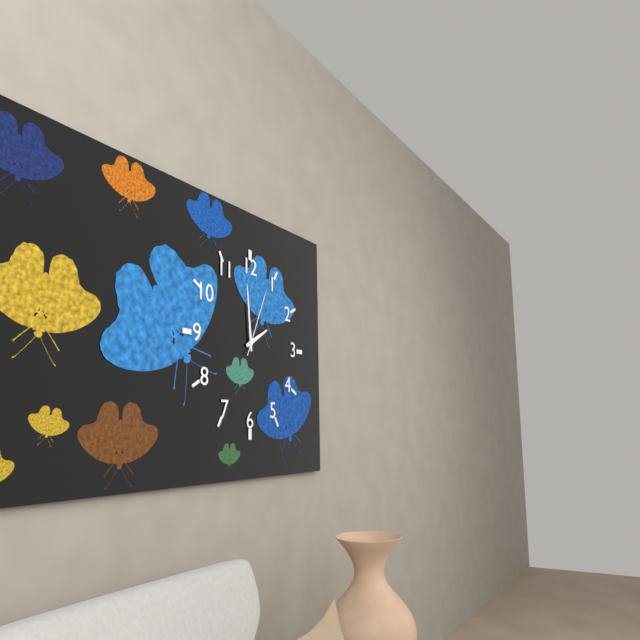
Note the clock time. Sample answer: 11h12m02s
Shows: 1h59m04s
